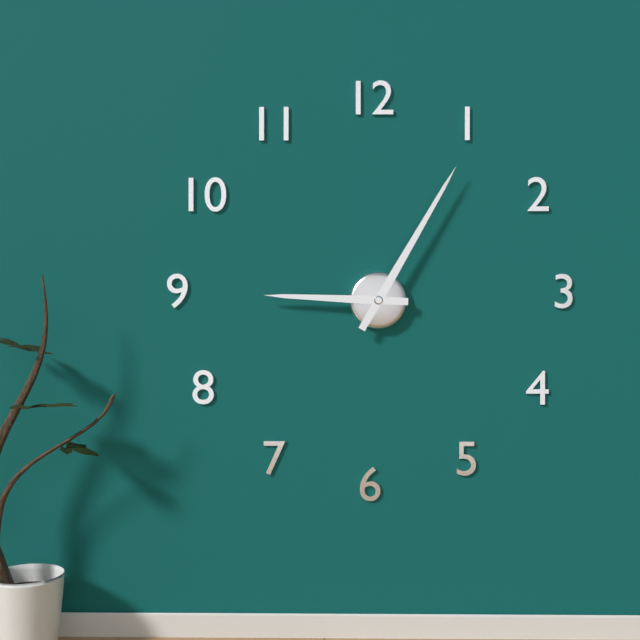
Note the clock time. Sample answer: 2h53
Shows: 9h05
